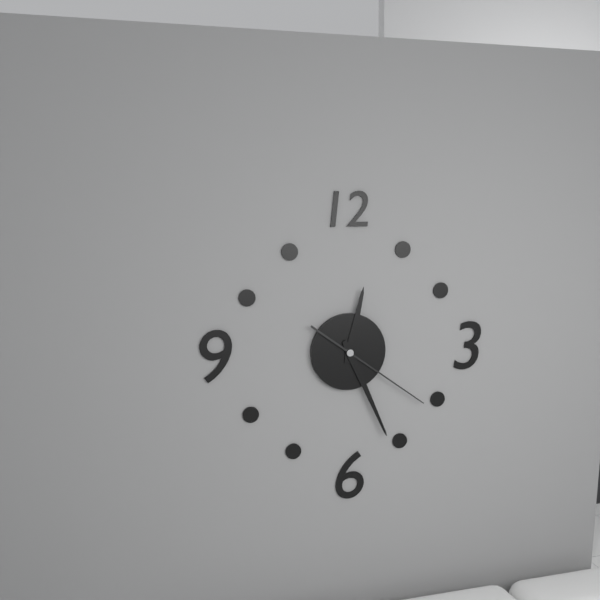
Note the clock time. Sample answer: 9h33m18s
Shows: 12h26m21s
